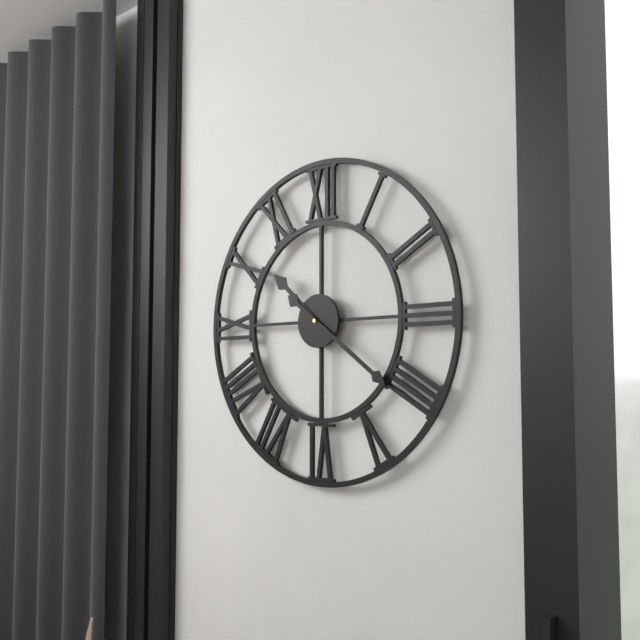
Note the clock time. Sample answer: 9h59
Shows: 10h21
